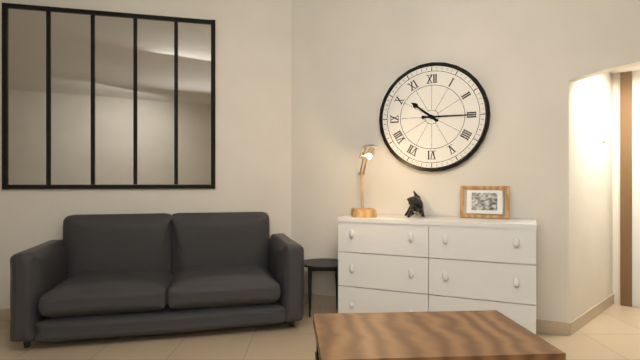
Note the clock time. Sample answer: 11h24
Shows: 10h15
